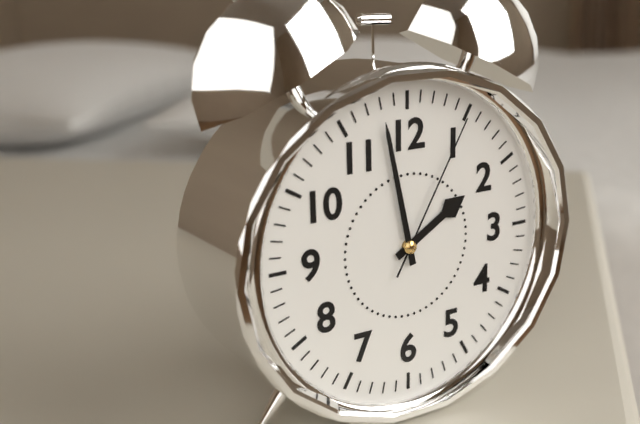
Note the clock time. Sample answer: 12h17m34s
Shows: 1h58m05s
